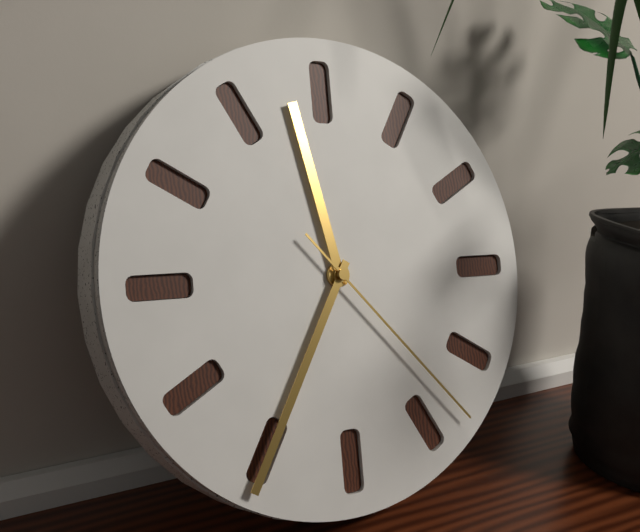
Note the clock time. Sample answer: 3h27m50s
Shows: 11h35m23s
